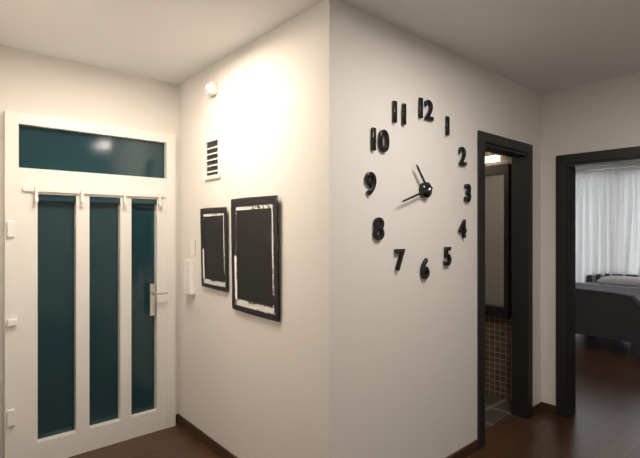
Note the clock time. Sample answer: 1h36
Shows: 10h42
